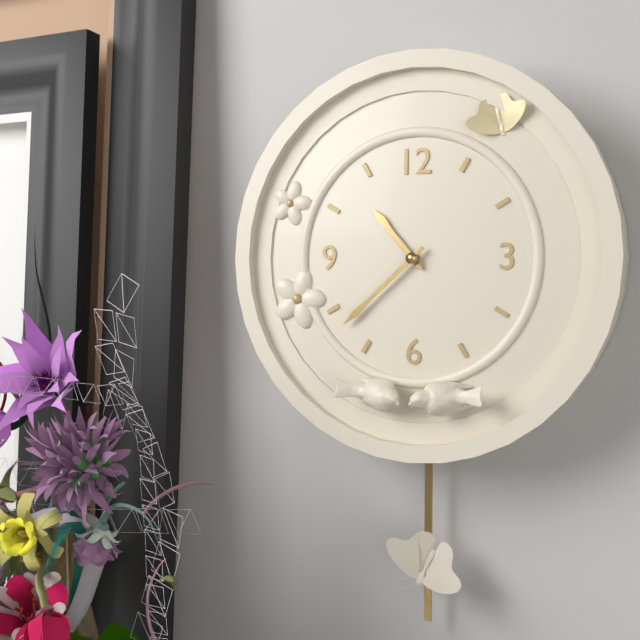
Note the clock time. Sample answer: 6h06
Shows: 10h38
